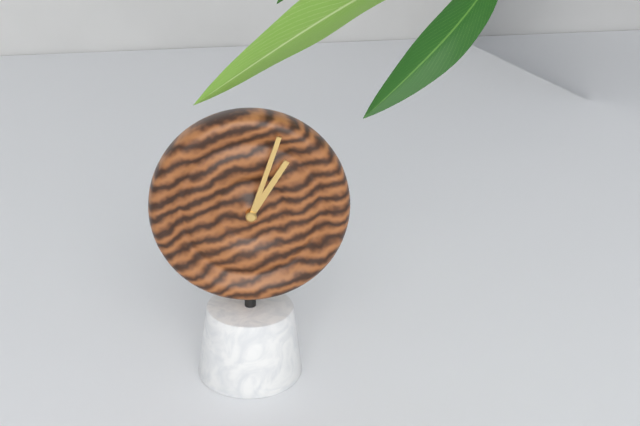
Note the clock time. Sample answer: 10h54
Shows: 1h03
